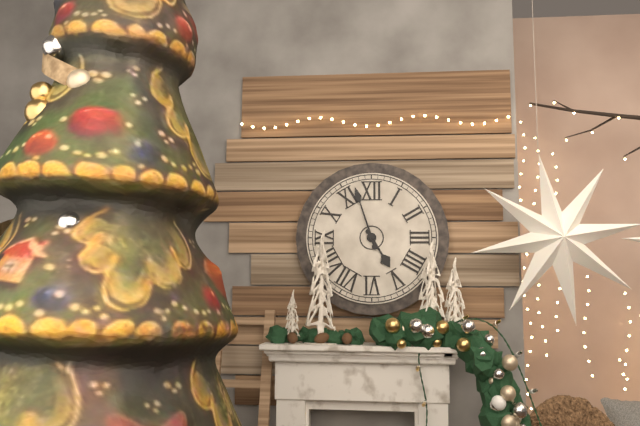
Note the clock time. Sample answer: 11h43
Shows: 4h57
